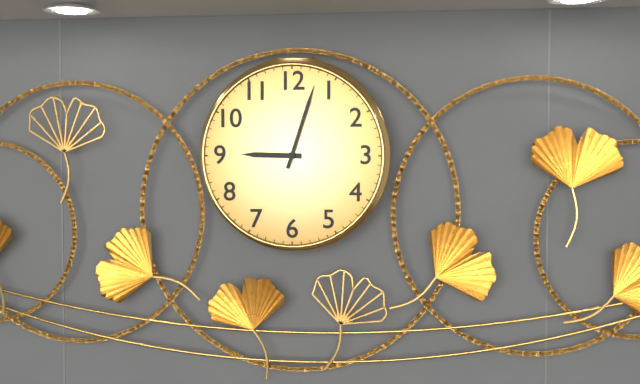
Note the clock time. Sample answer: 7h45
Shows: 9h03
